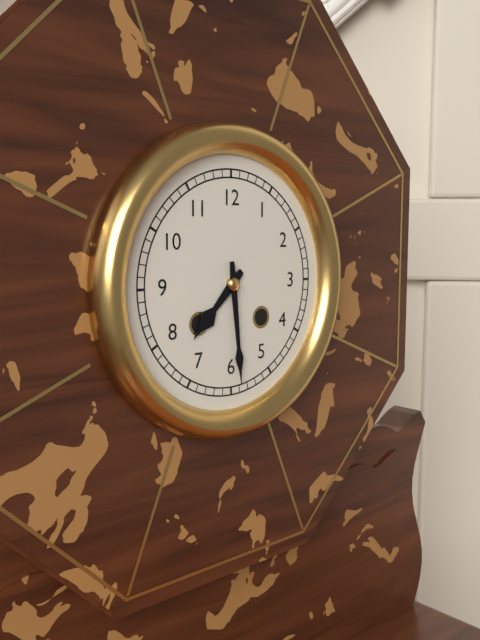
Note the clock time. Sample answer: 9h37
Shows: 7h29
